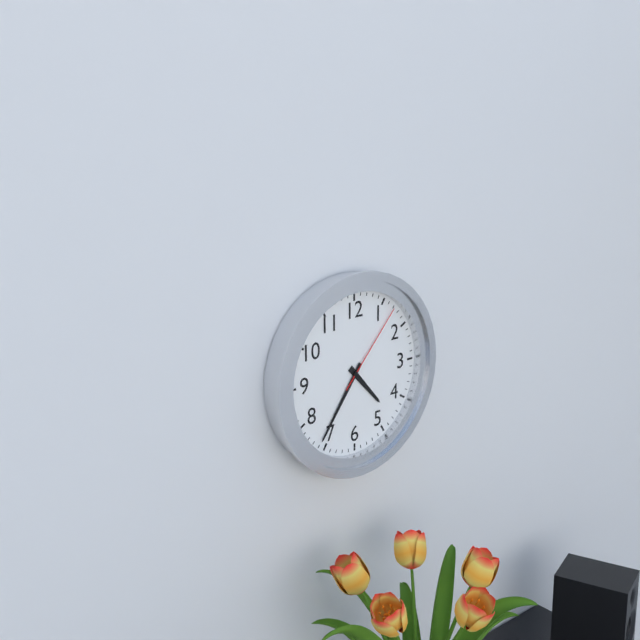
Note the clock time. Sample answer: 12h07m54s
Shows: 4h36m07s
